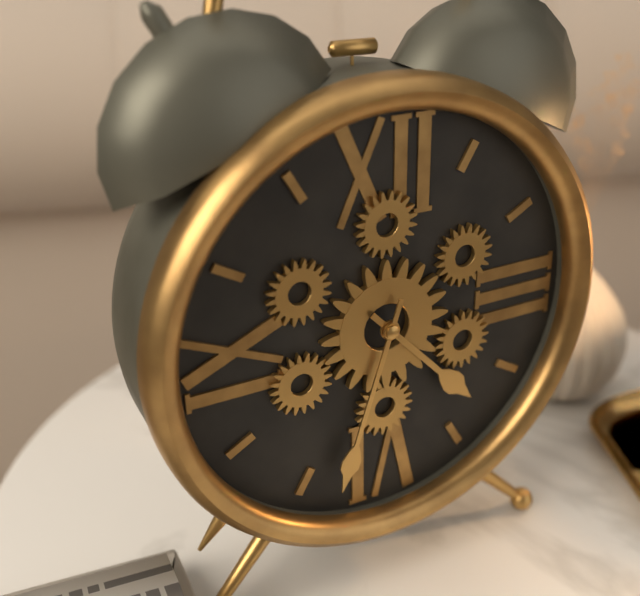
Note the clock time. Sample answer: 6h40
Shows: 4h33
